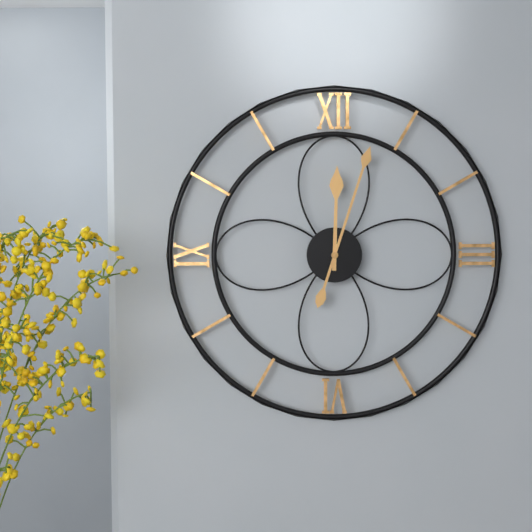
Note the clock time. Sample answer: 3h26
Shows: 12h03
